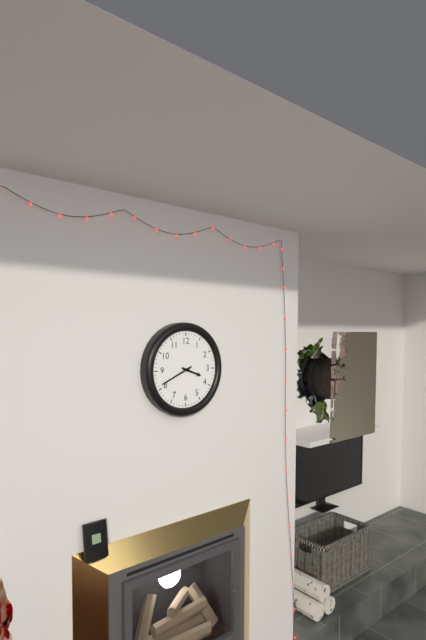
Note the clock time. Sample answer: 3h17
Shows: 3h41
